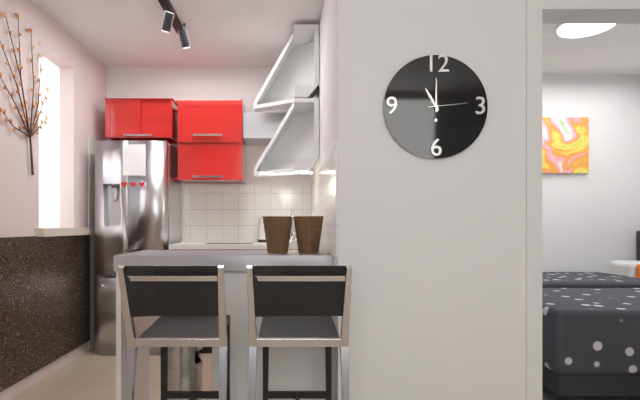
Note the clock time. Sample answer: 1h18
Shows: 11h00
